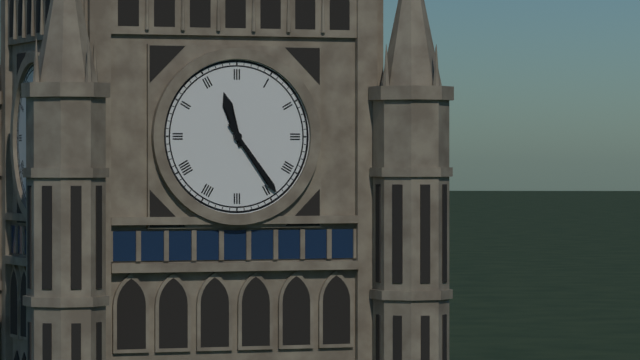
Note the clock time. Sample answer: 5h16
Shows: 11h24
